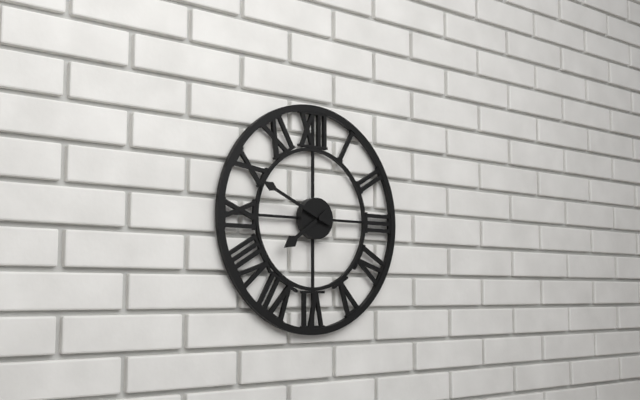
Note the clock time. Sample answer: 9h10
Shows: 7h49
